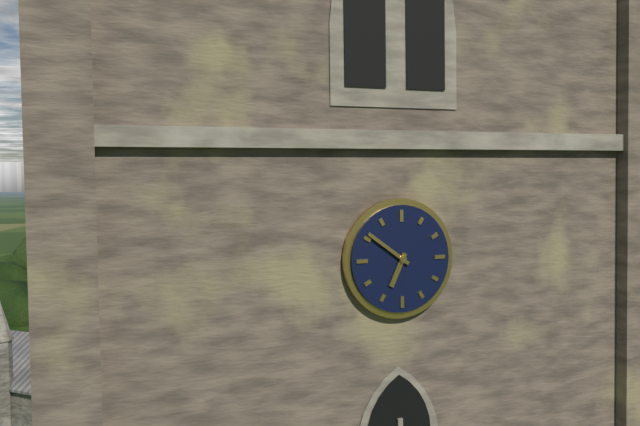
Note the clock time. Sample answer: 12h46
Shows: 6h51
